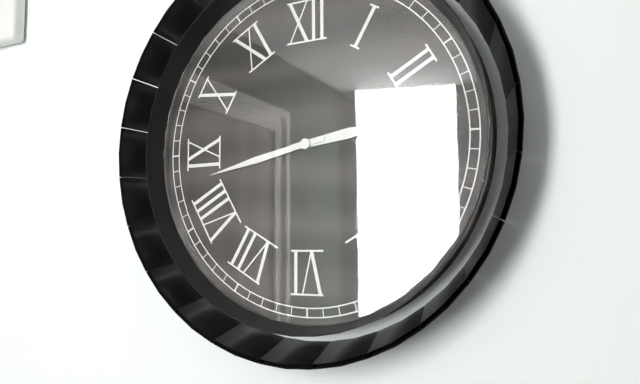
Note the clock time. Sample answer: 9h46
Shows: 2h43
